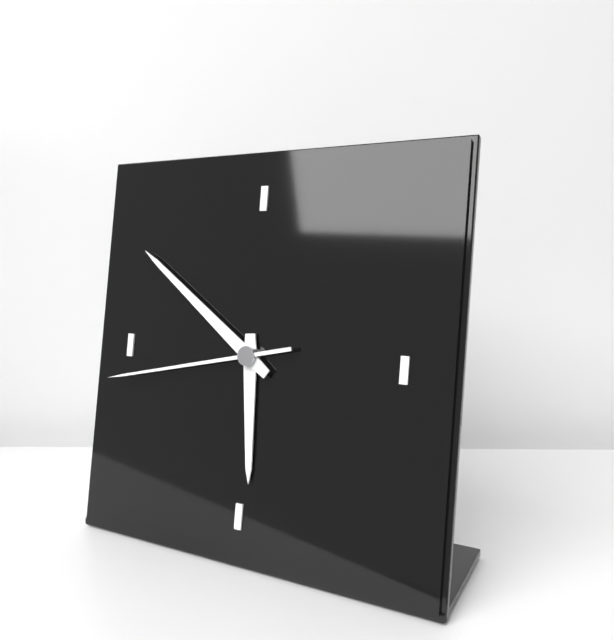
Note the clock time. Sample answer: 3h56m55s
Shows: 5h51m43s
